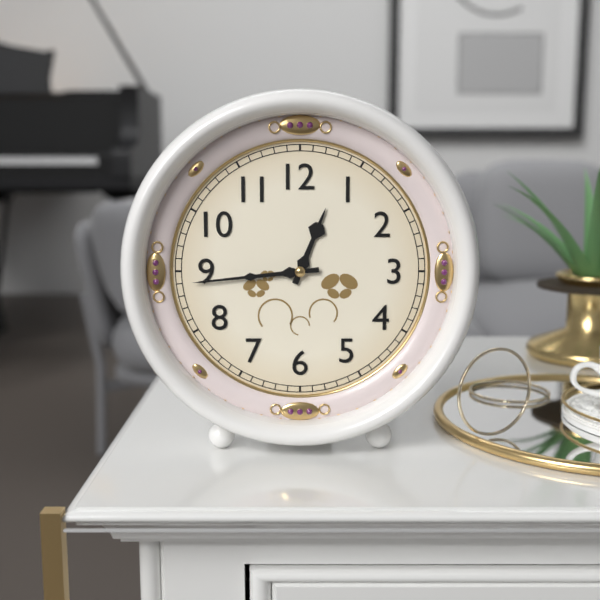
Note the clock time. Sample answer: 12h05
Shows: 12h44
